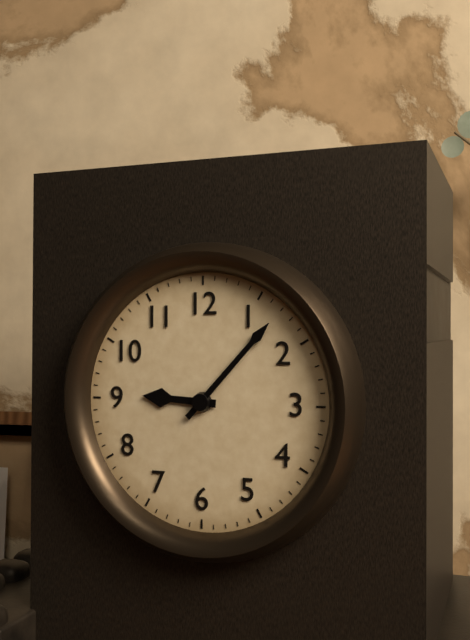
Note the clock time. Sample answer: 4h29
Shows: 9h07
